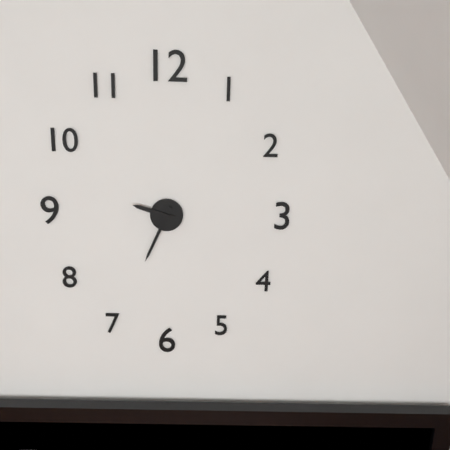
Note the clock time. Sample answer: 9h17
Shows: 9h34
